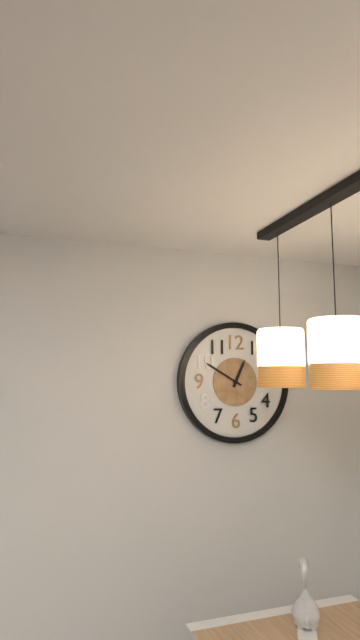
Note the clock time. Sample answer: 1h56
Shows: 12h50
